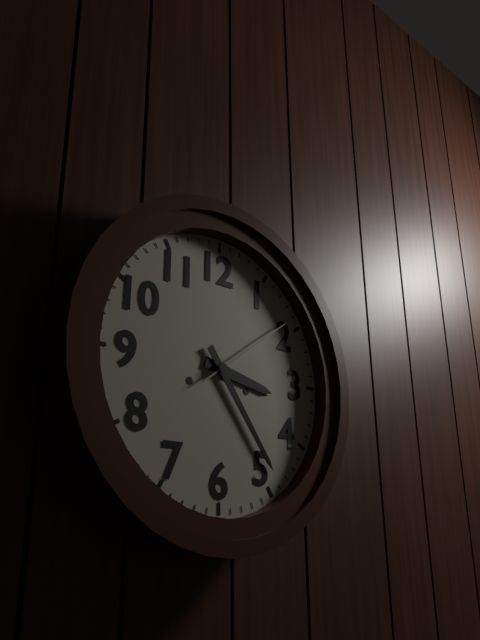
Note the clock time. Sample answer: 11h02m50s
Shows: 3h24m09s
